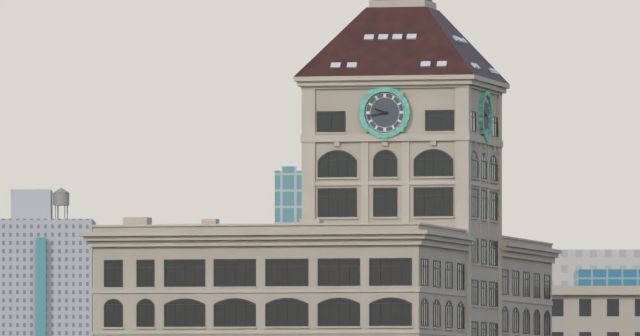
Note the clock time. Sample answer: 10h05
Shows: 9h43
